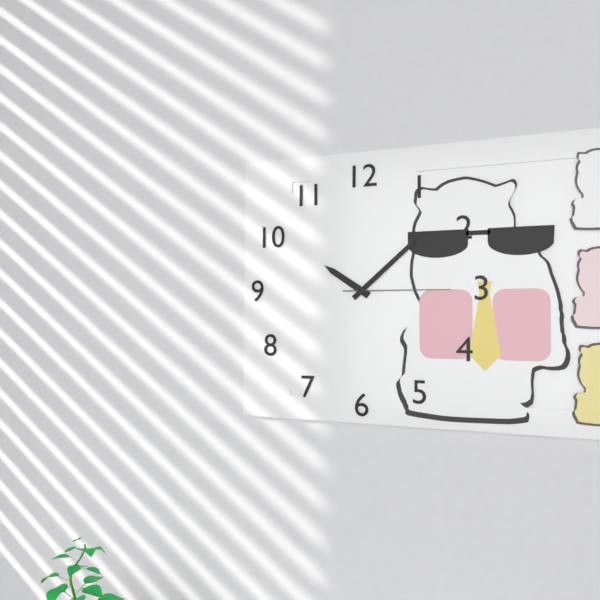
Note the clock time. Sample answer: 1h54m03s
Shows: 10h08m15s
